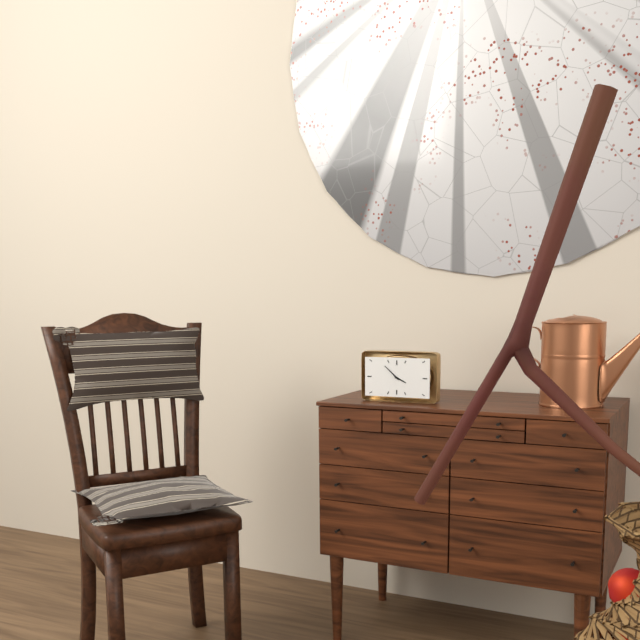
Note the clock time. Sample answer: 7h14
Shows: 3h52
